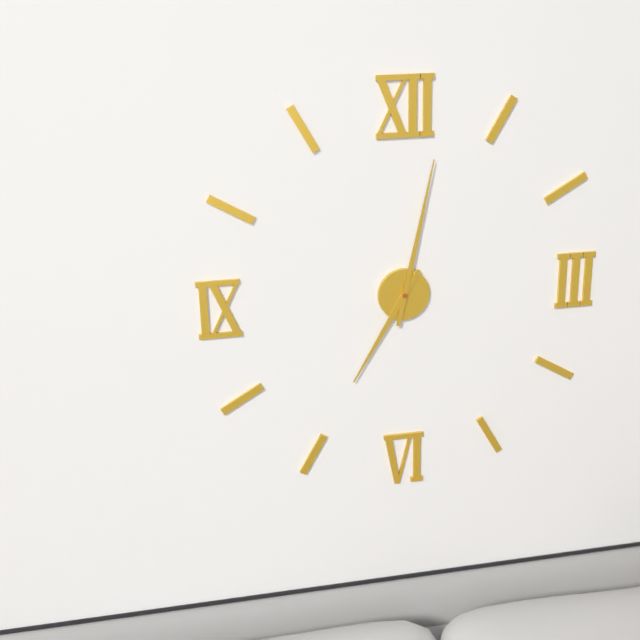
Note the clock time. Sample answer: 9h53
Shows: 7h02
